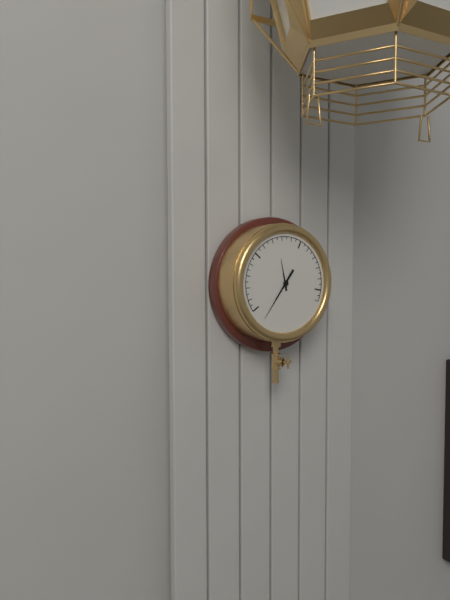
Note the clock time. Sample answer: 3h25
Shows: 11h36
